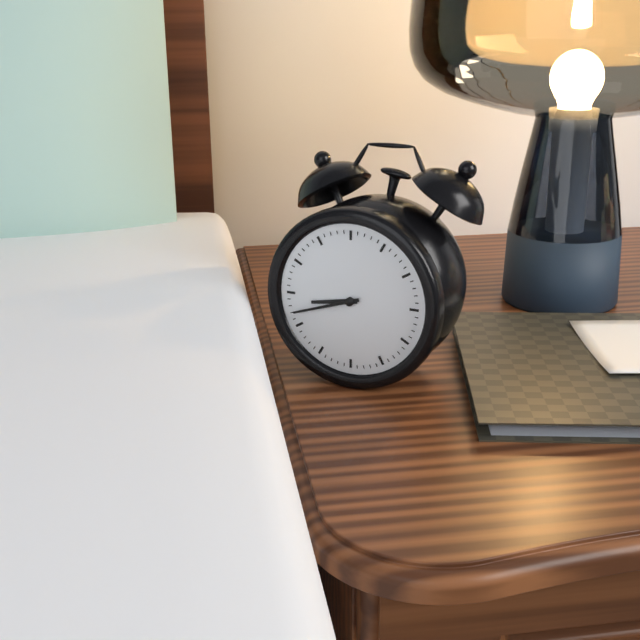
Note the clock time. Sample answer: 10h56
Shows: 8h42
